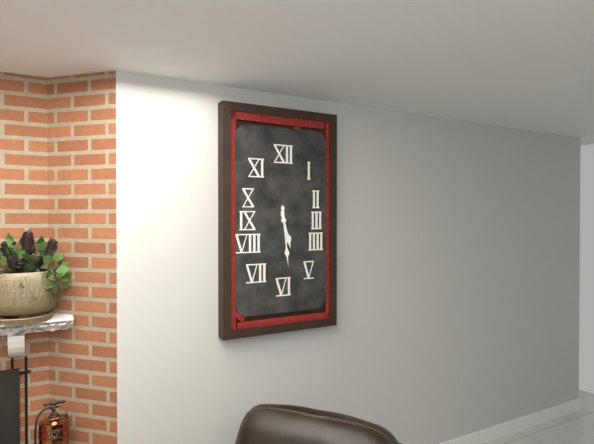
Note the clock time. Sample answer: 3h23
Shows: 5h29
